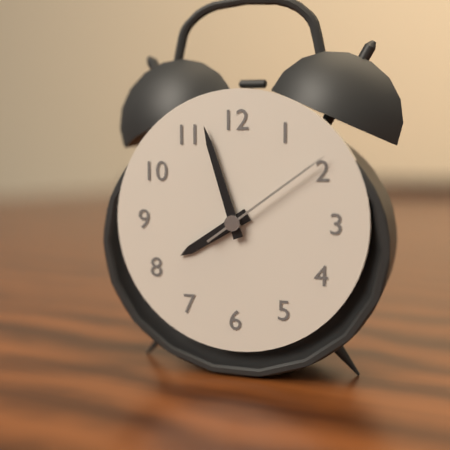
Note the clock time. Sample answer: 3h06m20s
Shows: 7h57m09s
